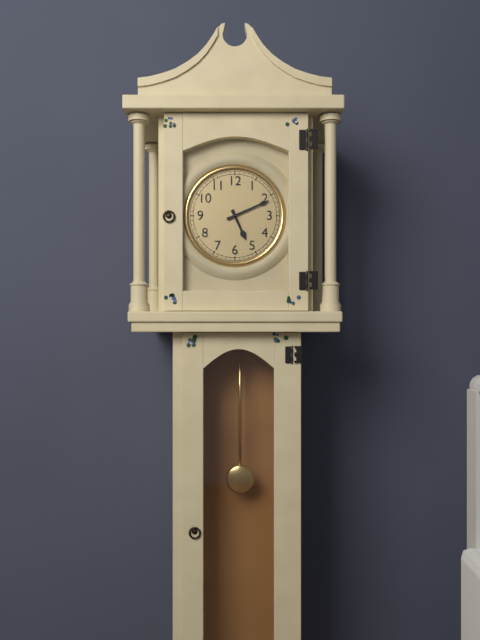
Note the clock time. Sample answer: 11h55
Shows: 5h11
